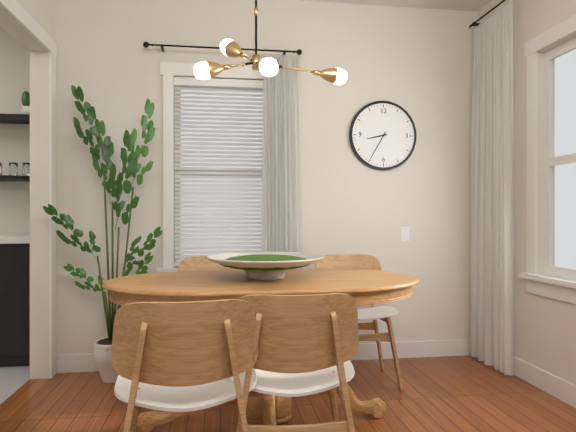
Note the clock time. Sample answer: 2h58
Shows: 8h35
